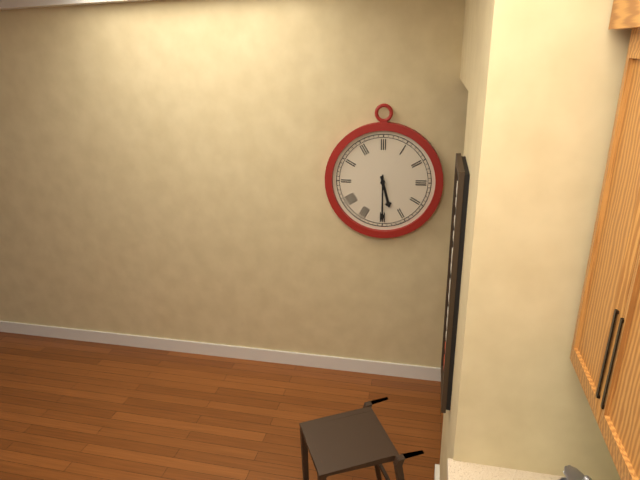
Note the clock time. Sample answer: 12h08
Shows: 5h30
